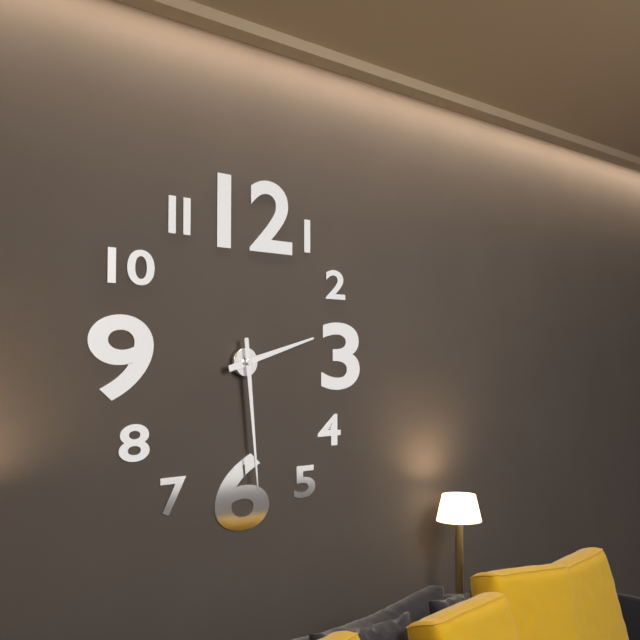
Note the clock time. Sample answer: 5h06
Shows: 2h29
